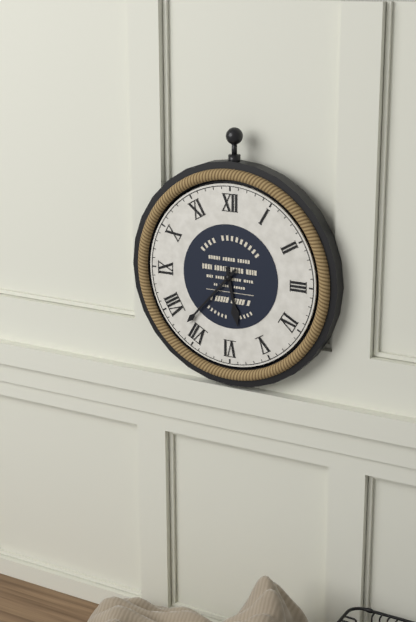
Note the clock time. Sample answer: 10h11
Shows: 5h37
